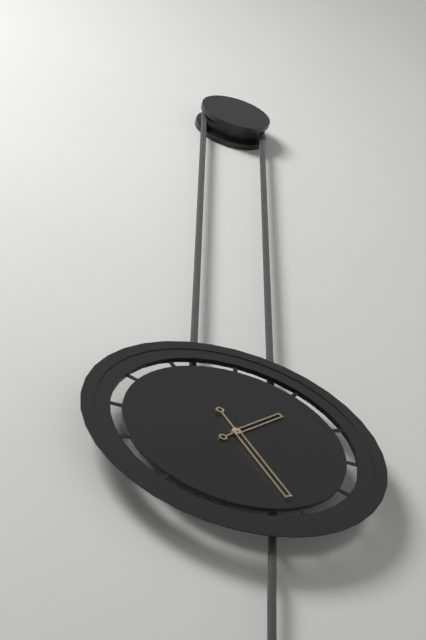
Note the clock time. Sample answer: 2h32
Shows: 1h25
